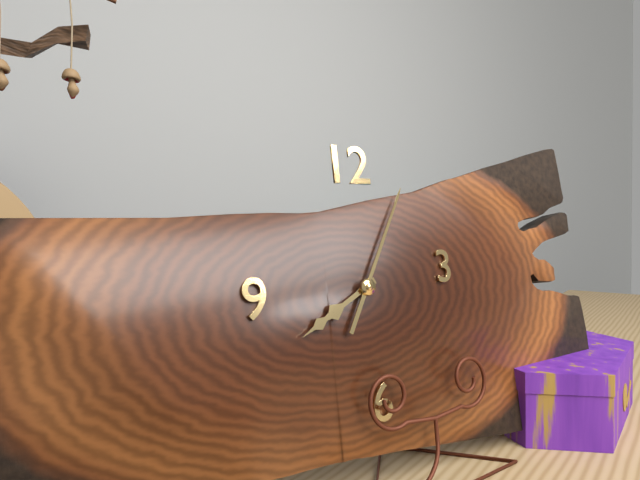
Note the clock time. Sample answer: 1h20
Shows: 8h05
